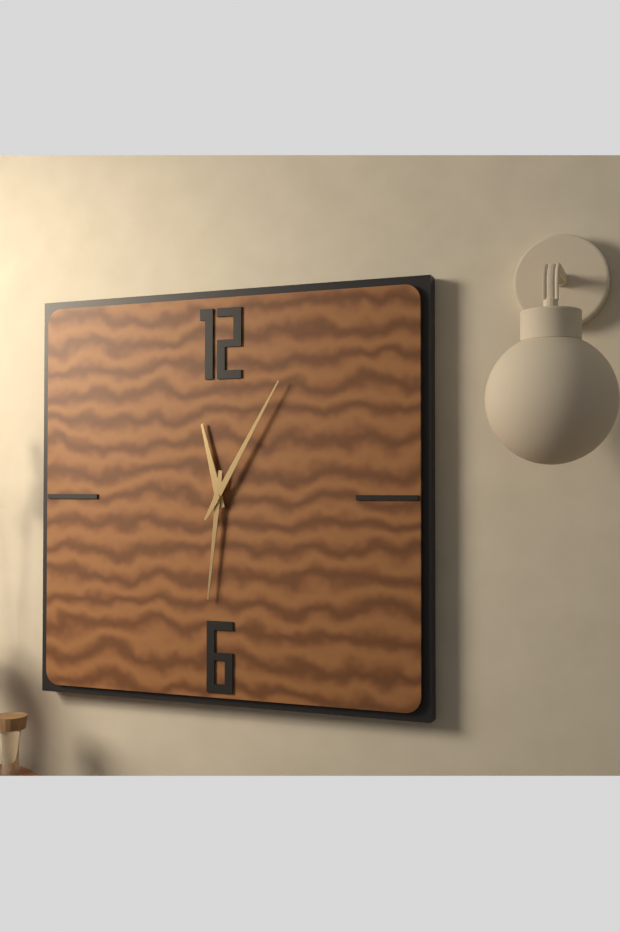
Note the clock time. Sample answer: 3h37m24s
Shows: 11h31m05s
